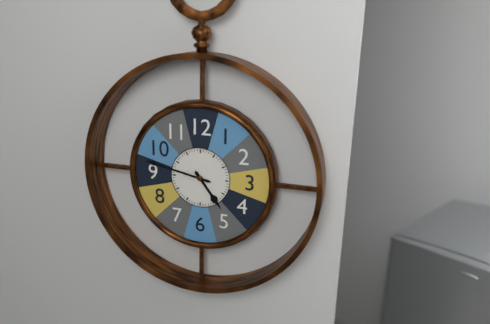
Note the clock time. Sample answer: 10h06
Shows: 4h47
